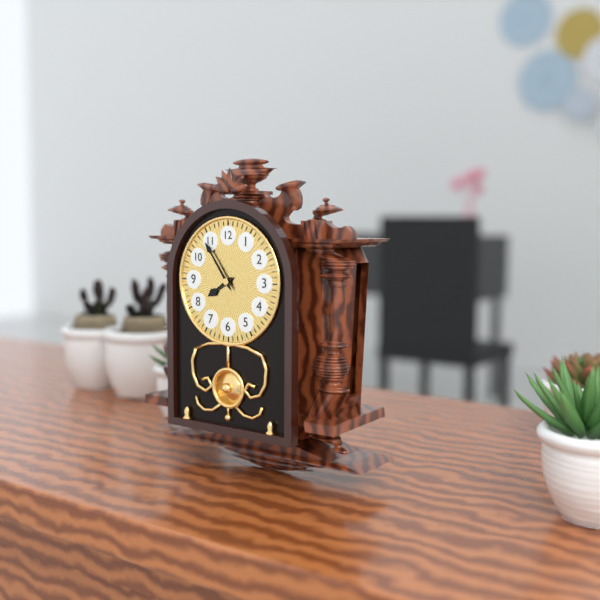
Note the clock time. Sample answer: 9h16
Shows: 7h54
